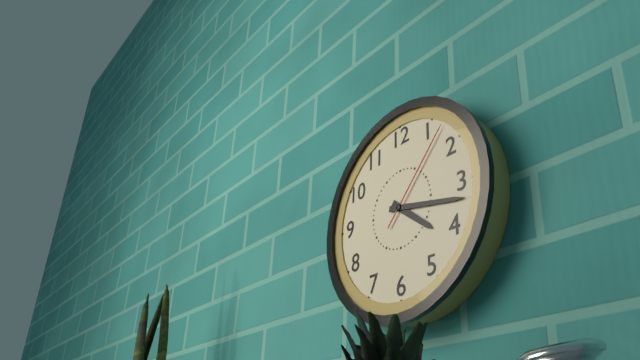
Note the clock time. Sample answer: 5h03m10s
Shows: 4h17m07s
